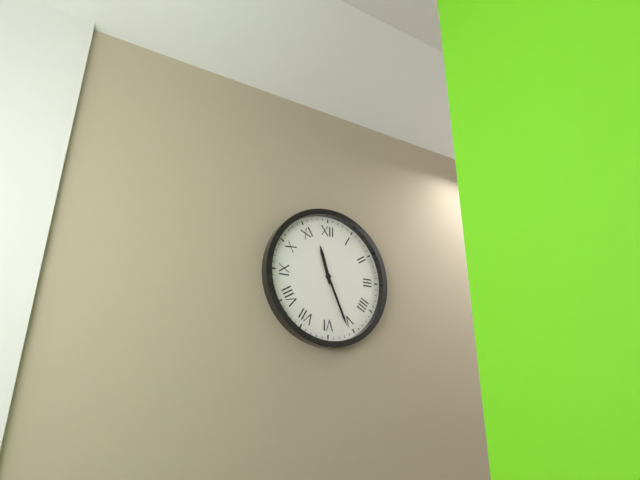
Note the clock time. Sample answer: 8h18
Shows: 11h26
